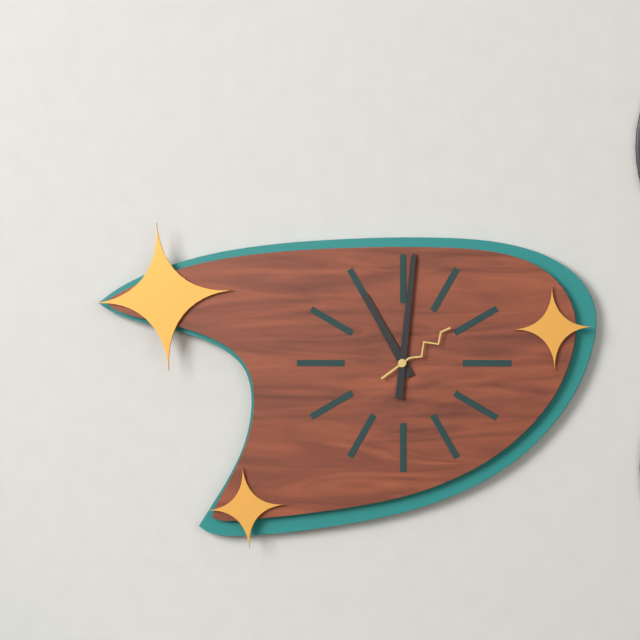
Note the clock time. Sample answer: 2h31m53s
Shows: 11h01m09s
